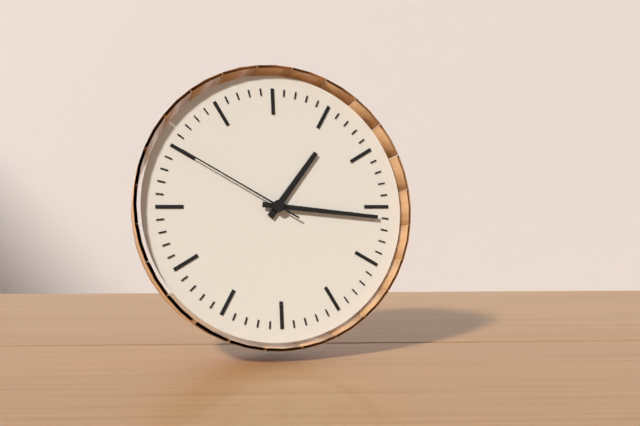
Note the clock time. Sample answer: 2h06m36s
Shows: 1h16m50s
